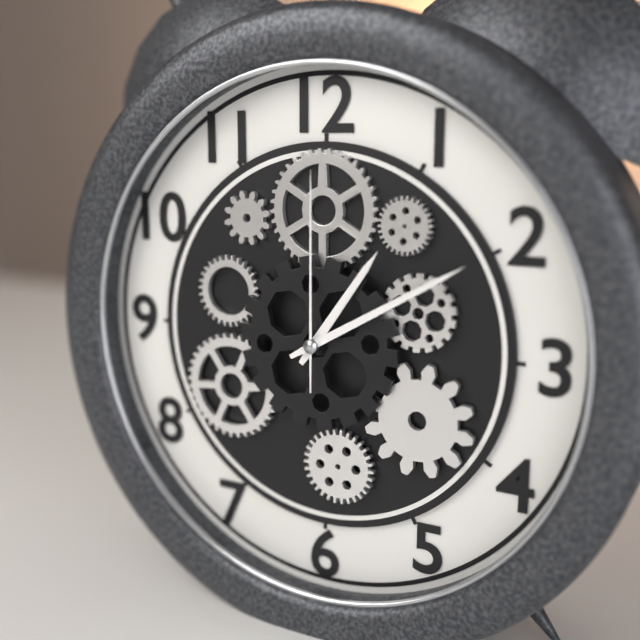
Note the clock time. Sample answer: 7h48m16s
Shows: 1h10m00s
